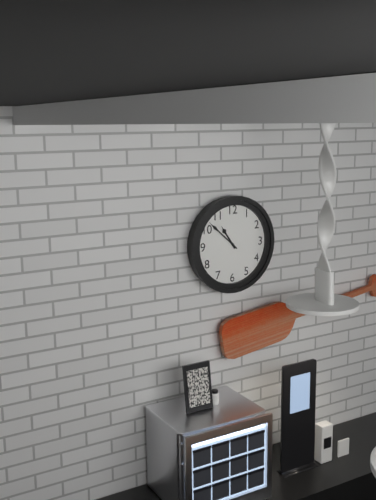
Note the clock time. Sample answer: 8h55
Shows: 10h52
